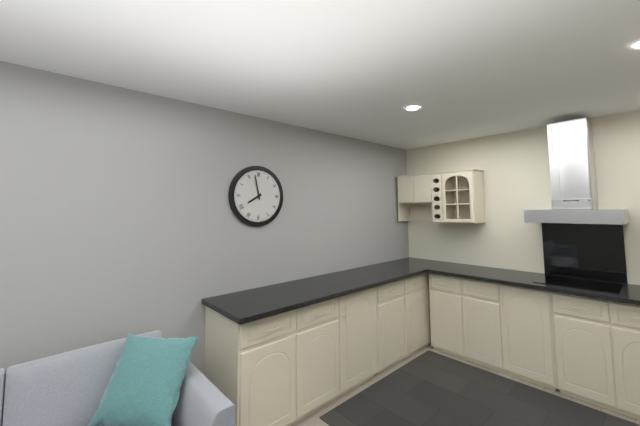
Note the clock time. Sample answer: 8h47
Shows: 7h58
